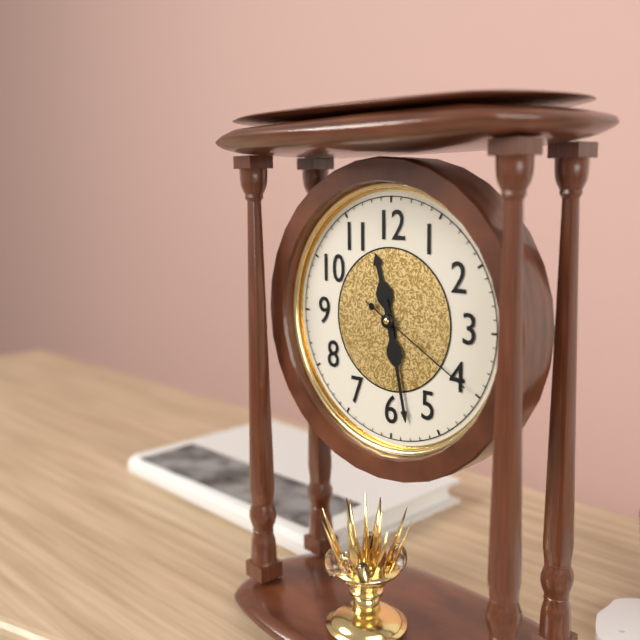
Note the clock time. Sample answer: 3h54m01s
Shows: 11h28m20s
